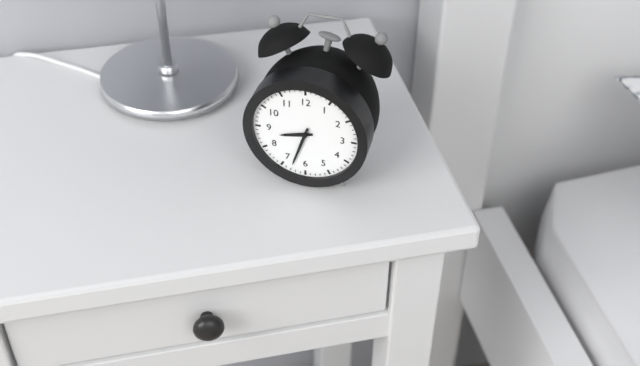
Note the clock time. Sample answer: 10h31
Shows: 8h33
